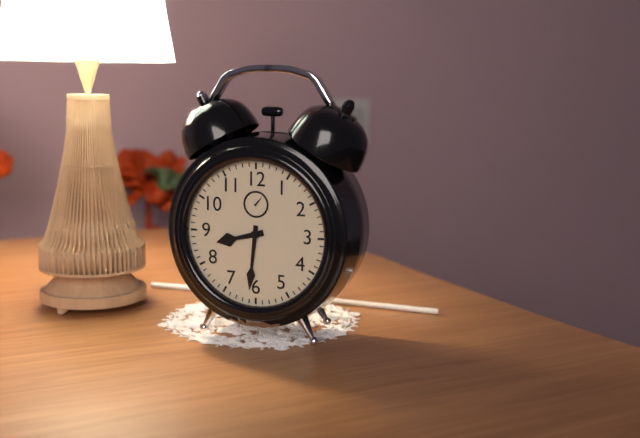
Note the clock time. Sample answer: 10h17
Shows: 8h31
